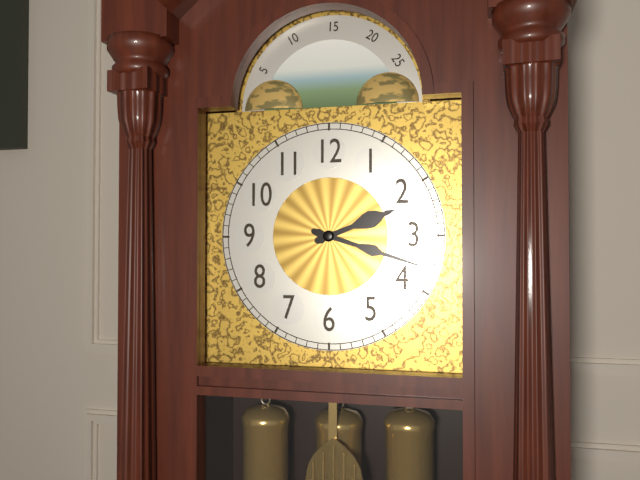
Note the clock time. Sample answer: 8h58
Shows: 2h18
